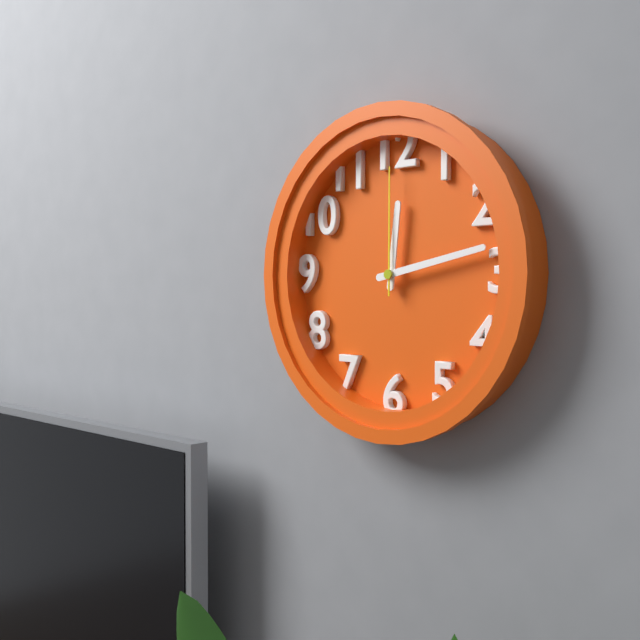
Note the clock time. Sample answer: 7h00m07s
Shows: 12h13m00s
